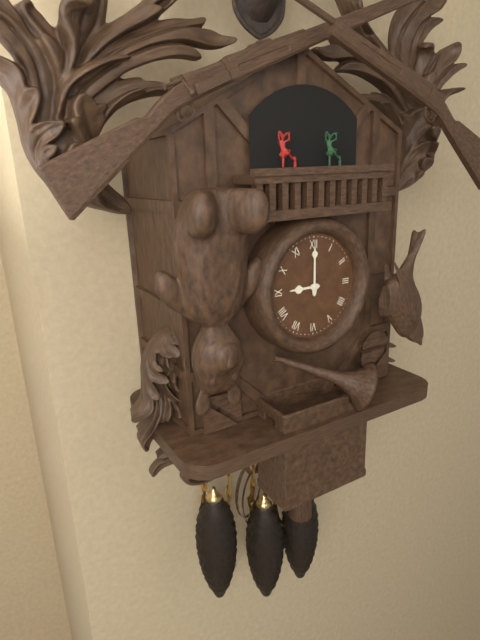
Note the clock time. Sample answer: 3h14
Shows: 9h00
